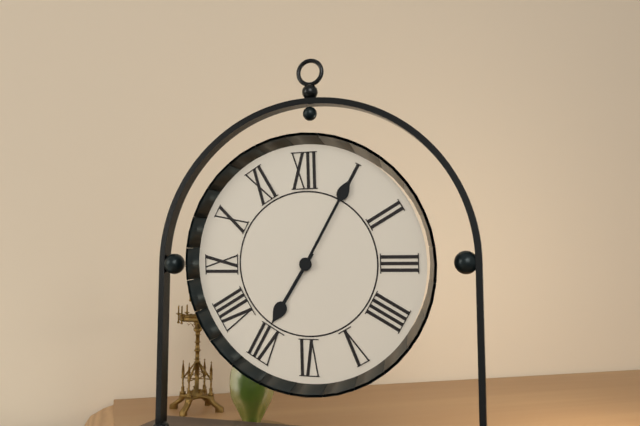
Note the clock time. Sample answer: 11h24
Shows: 7h05
